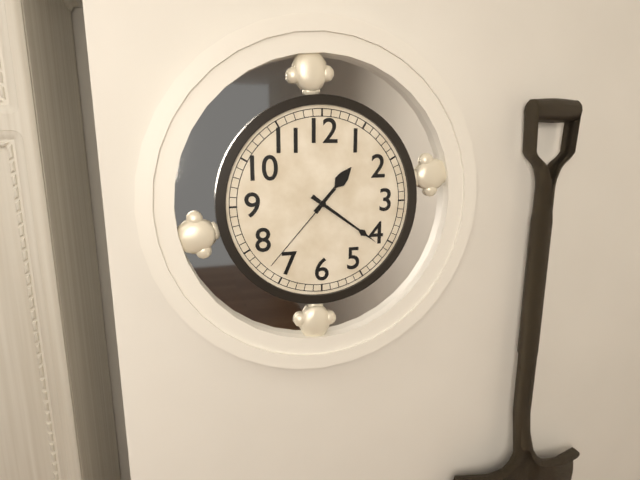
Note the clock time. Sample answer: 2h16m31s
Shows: 1h21m37s
